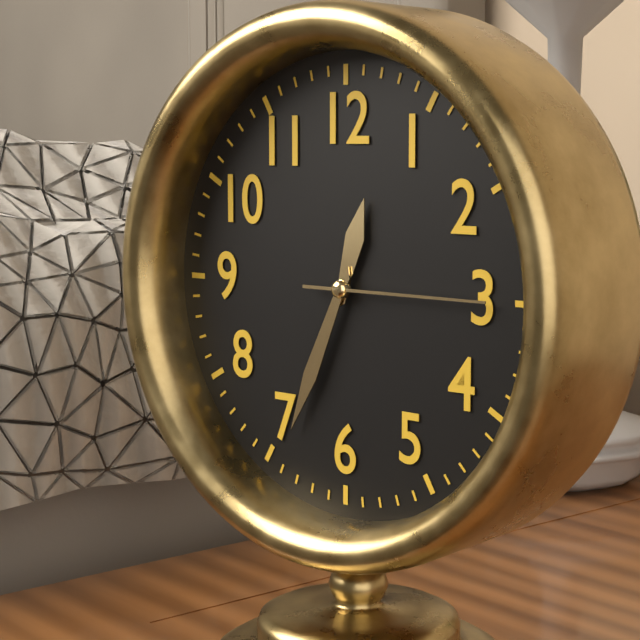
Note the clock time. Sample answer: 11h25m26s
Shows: 12h34m15s
